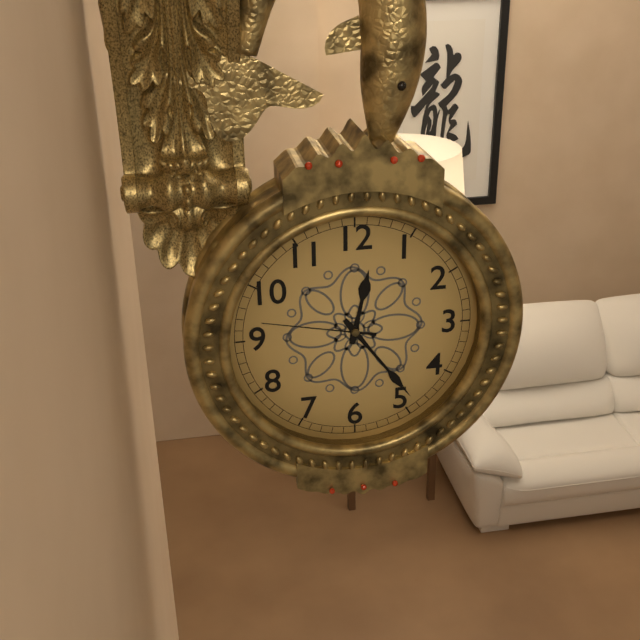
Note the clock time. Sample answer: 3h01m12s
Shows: 12h24m47s
